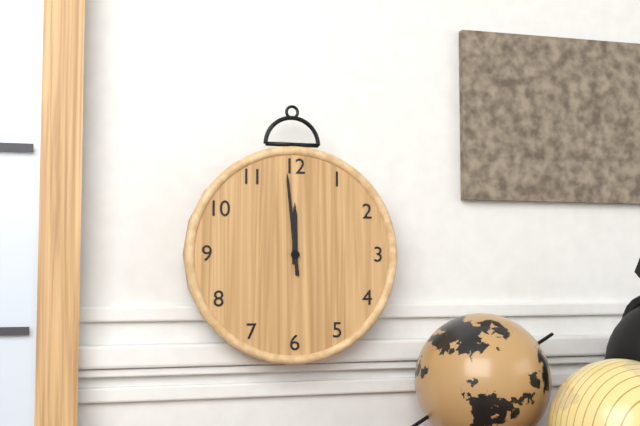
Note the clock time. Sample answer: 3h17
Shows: 11h59
